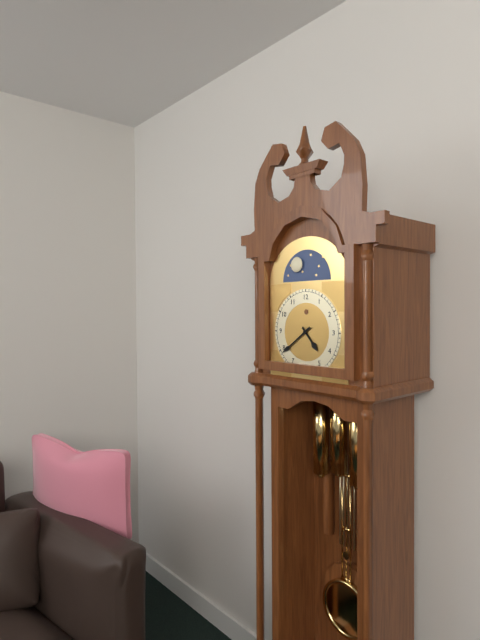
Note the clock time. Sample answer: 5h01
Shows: 4h39
